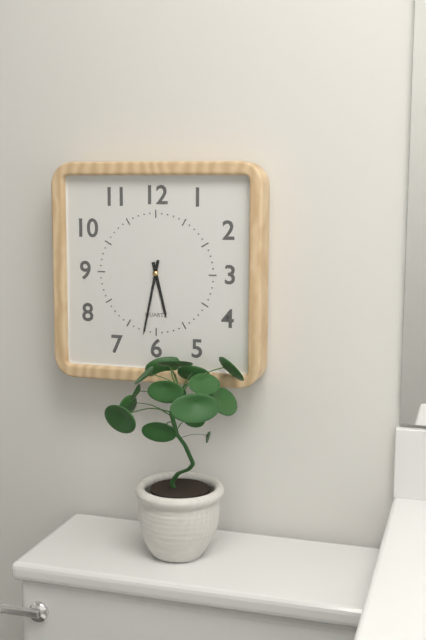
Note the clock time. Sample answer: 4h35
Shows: 5h32
